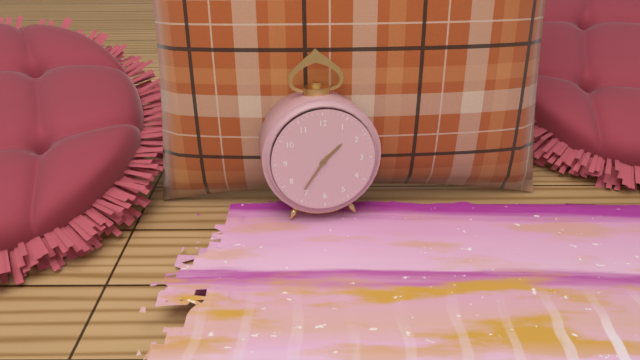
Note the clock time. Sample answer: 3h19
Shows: 1h36
